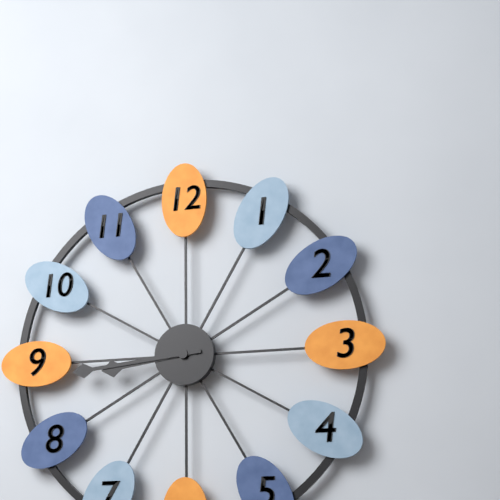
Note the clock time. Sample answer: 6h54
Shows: 8h44
